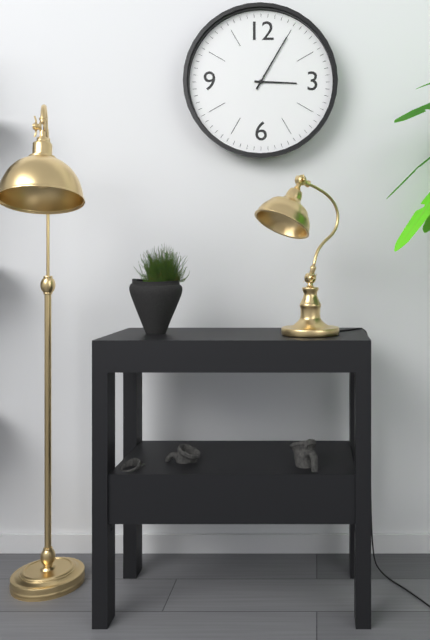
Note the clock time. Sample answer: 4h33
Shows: 3h05
